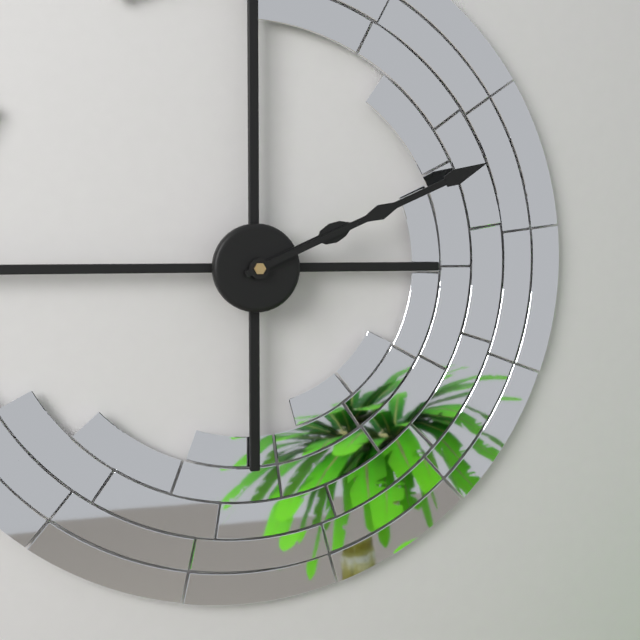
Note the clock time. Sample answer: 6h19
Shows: 2h11
